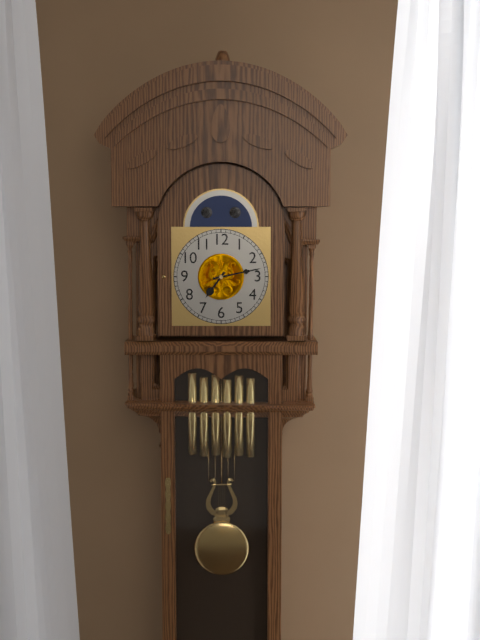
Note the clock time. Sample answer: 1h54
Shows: 7h13
